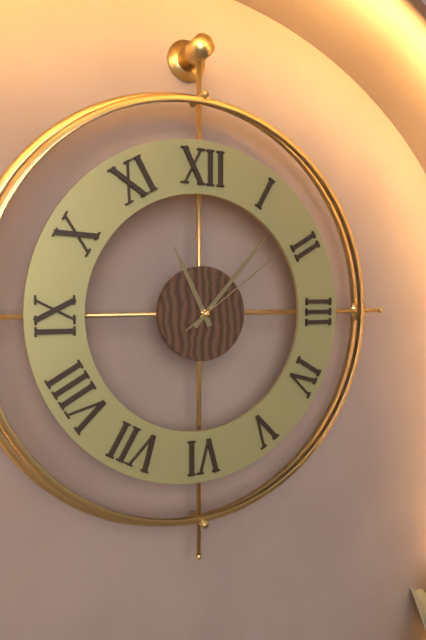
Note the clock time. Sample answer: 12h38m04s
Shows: 11h07m09s
